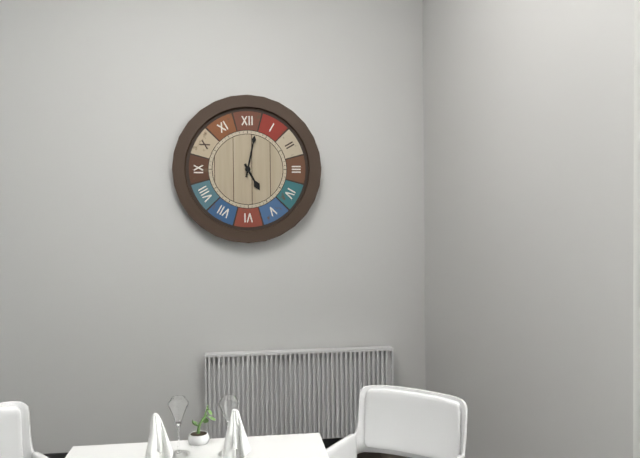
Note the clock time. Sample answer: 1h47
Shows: 5h02
